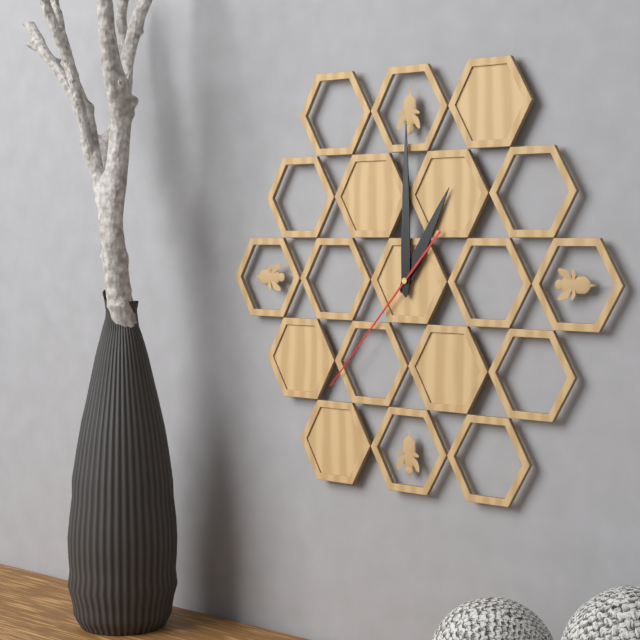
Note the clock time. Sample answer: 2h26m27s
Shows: 1h00m37s
